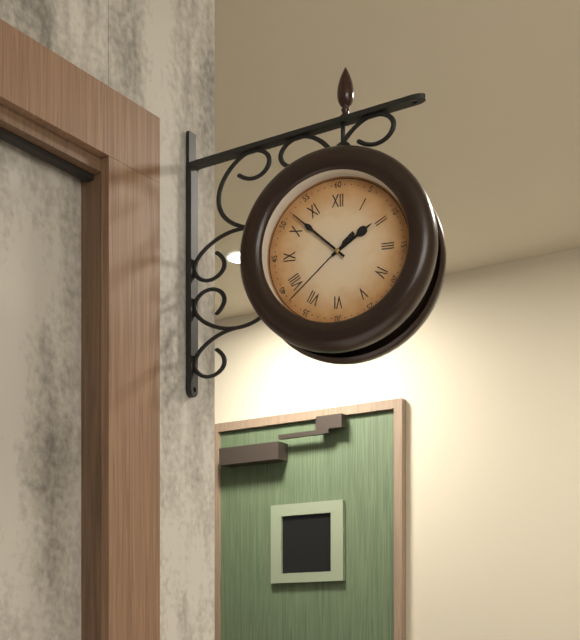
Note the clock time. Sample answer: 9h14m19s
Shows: 1h52m38s
